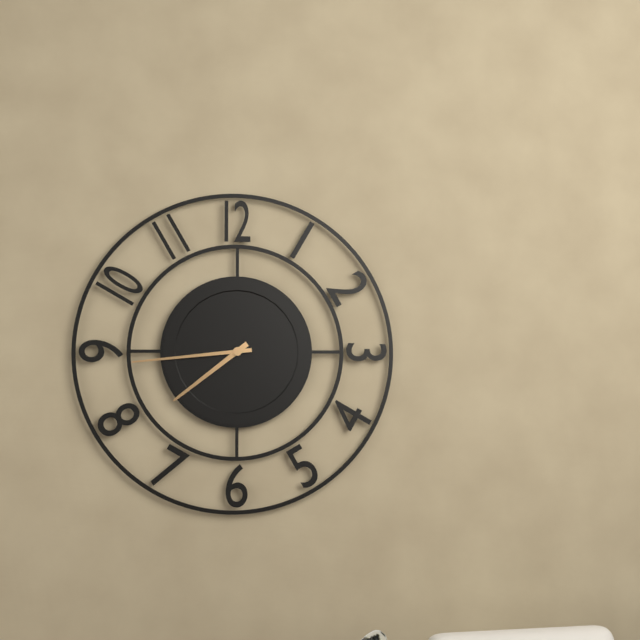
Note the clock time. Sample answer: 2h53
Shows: 7h44
